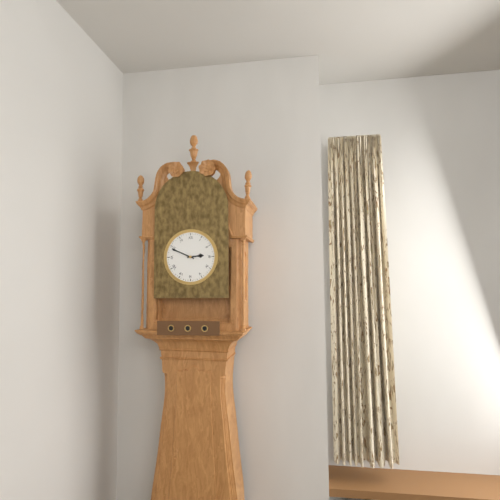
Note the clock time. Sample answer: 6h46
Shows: 2h49
